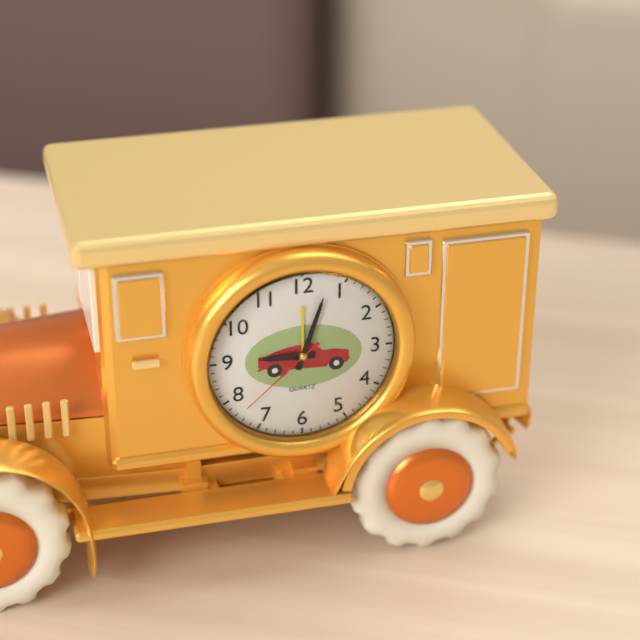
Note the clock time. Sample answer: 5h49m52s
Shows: 9h03m38s
